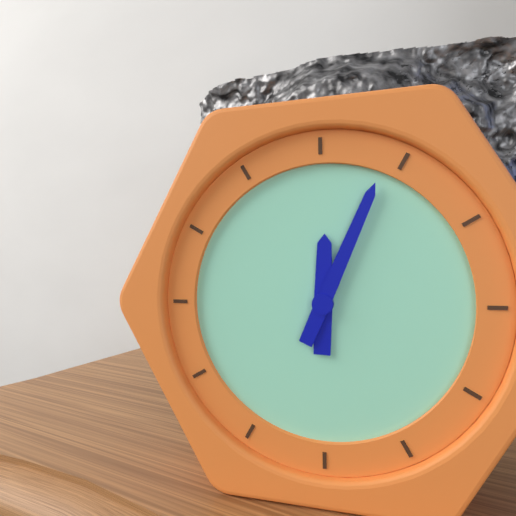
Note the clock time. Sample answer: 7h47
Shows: 12h04
